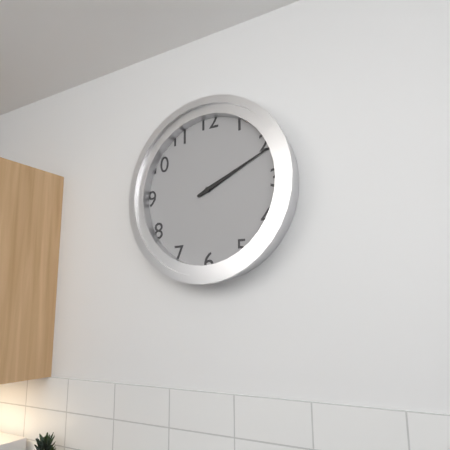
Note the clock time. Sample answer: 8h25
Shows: 2h11
